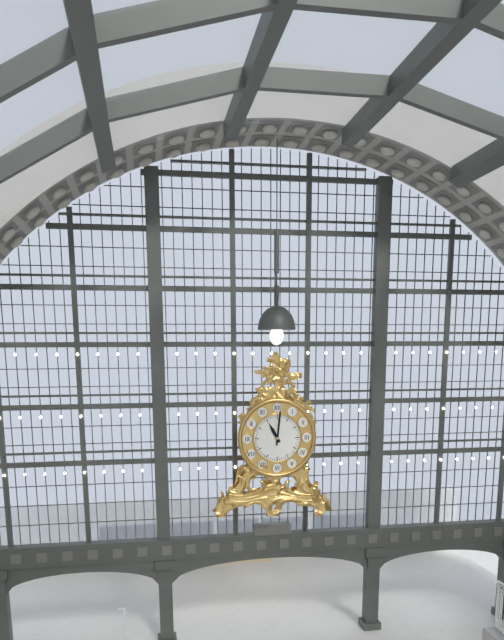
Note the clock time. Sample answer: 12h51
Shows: 11h01
